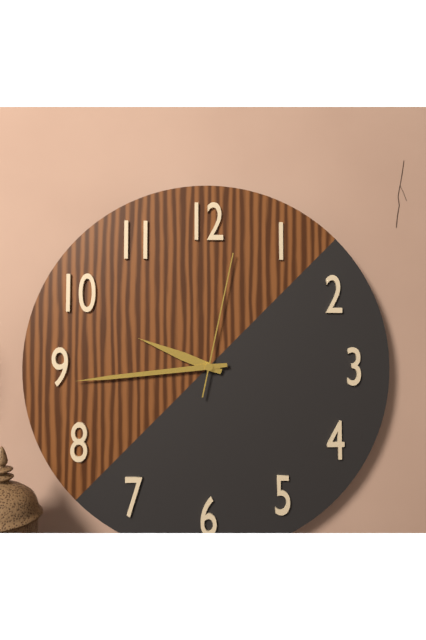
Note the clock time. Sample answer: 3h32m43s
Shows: 9h44m02s
